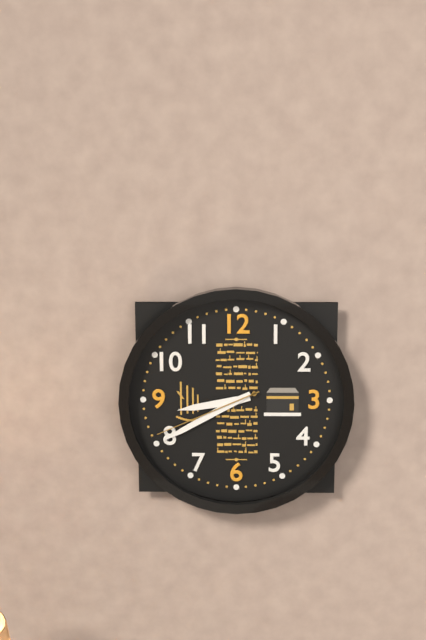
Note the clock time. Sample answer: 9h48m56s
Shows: 8h40m41s
